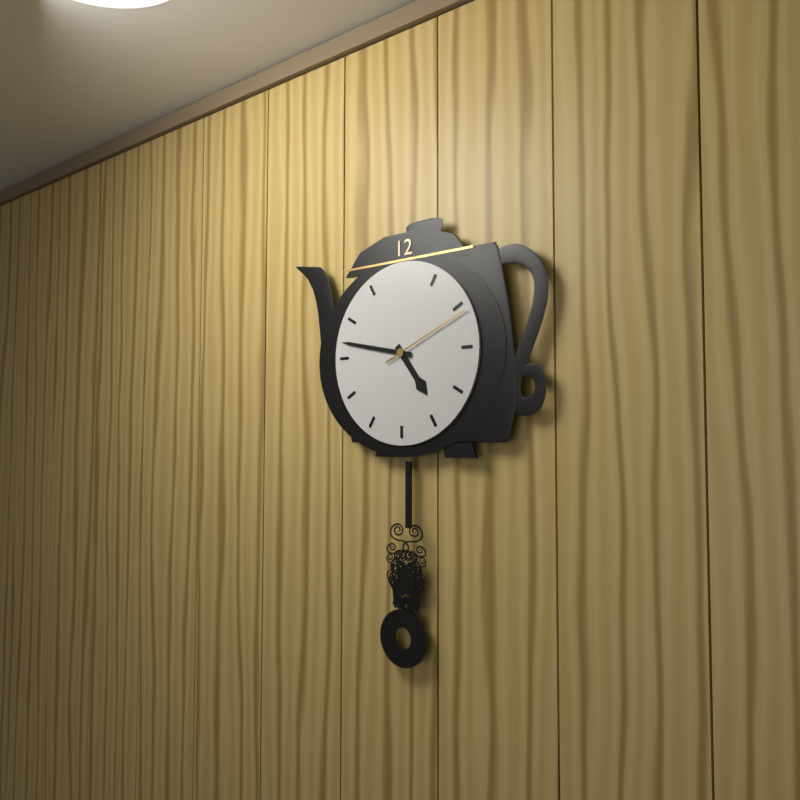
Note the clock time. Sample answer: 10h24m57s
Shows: 4h47m11s
